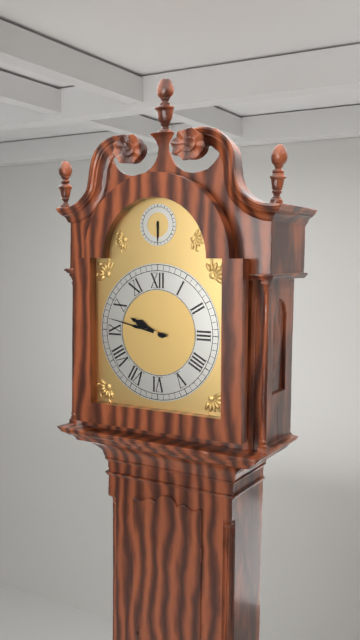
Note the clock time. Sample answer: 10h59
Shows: 9h47
